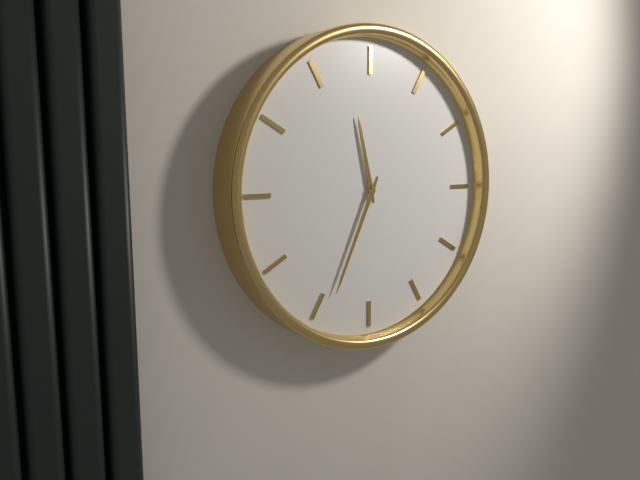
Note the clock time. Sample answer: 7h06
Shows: 11h34
